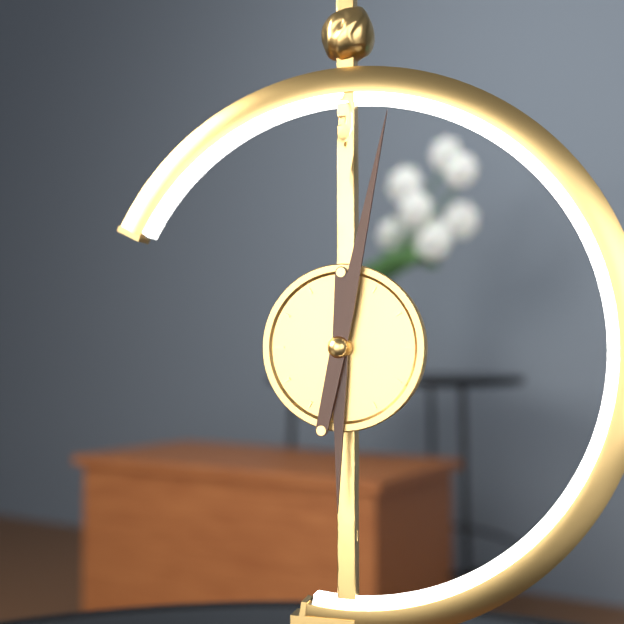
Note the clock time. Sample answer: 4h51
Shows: 6h02
